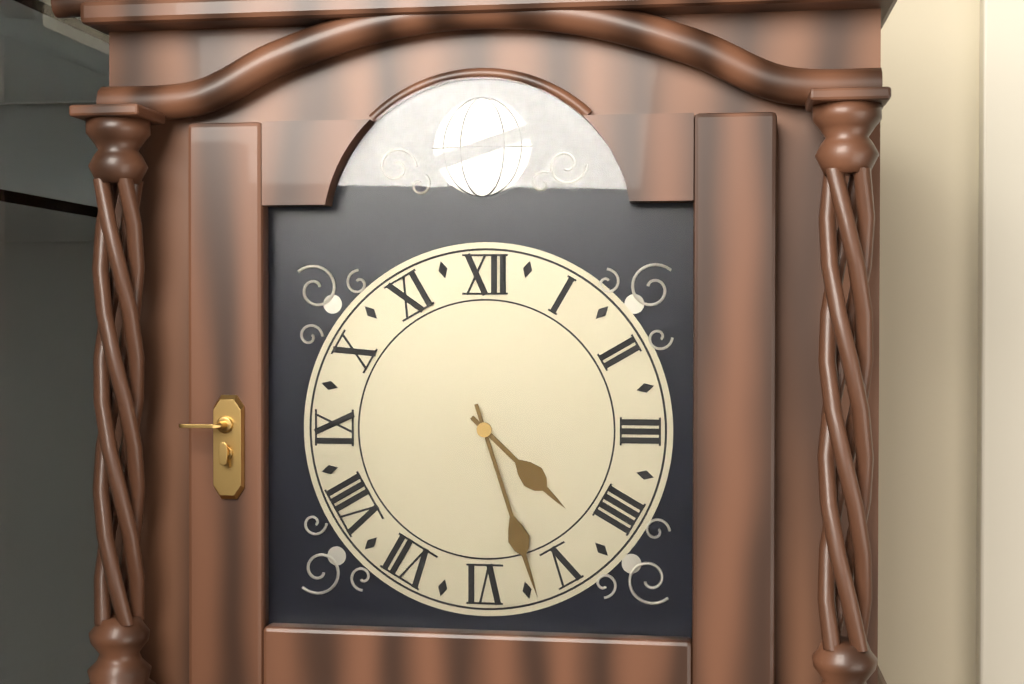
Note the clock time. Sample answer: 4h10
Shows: 4h27
